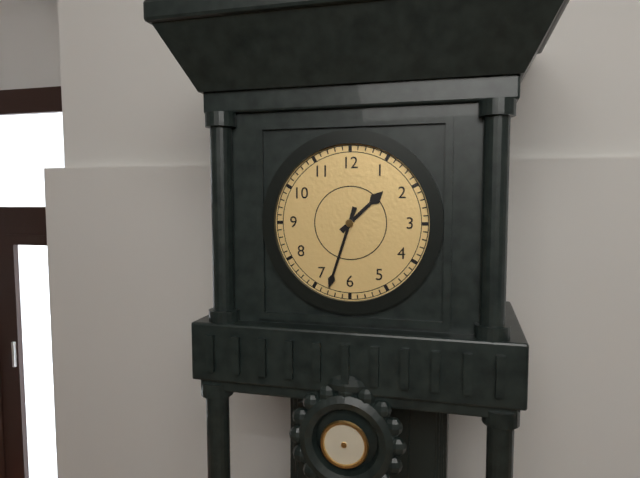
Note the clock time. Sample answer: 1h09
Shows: 1h33
